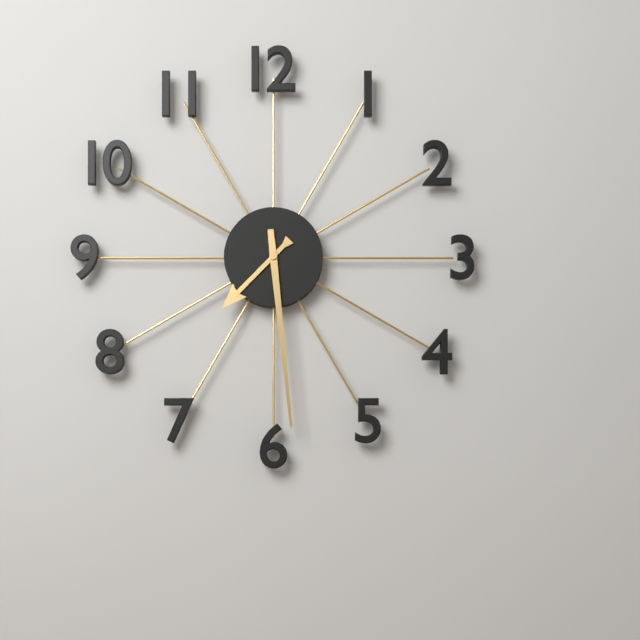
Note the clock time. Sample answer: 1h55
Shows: 7h29
